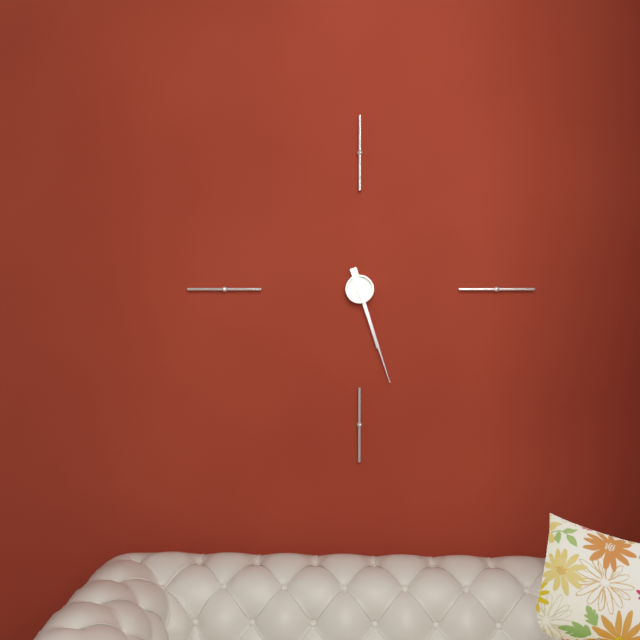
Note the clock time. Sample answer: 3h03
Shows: 5h27
